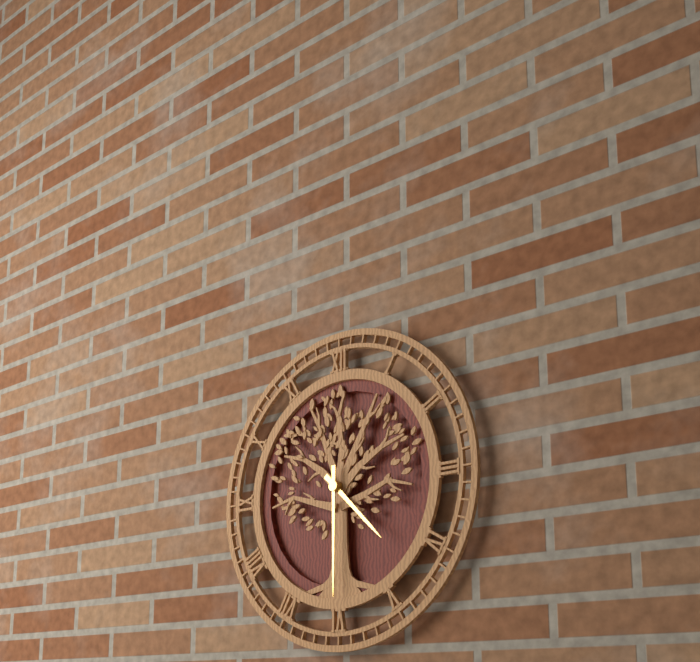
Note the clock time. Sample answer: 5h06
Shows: 4h30
